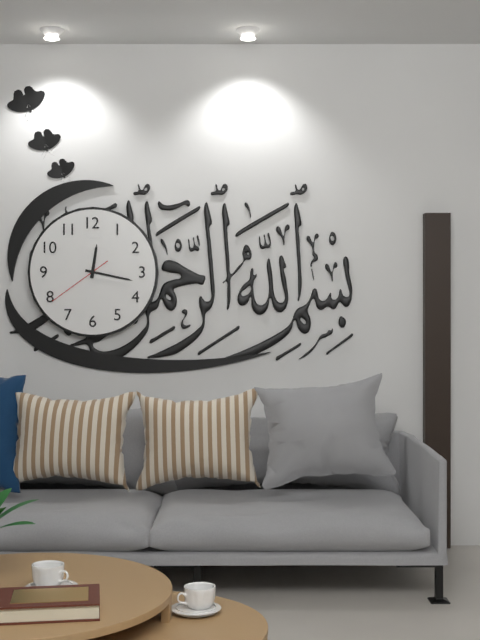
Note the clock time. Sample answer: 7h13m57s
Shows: 12h17m39s
